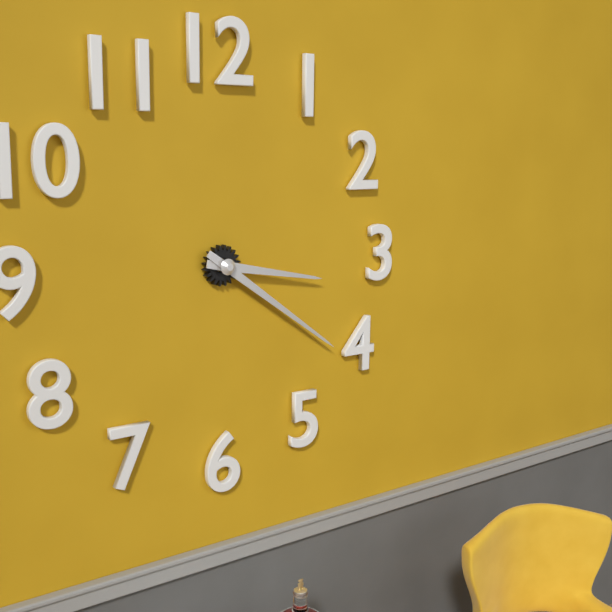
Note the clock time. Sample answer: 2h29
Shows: 3h21
